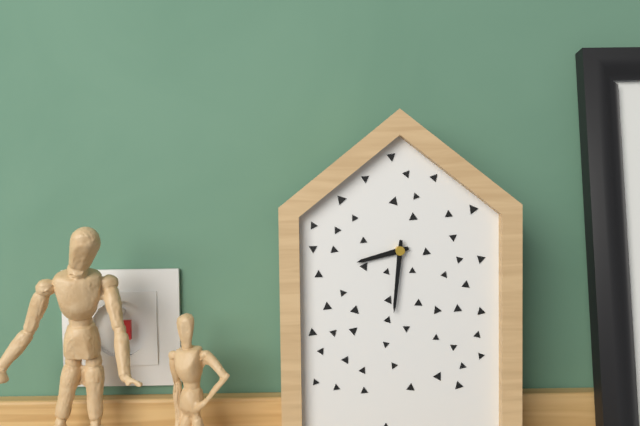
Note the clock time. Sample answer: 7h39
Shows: 8h31
